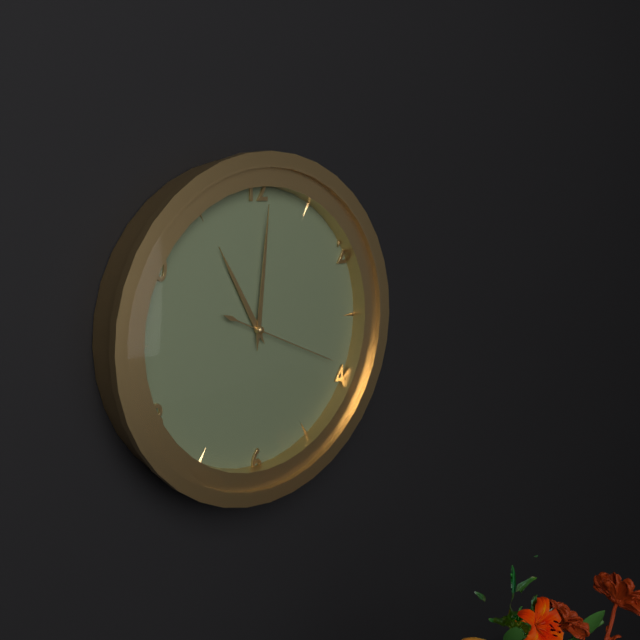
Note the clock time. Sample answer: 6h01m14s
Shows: 11h01m19s
